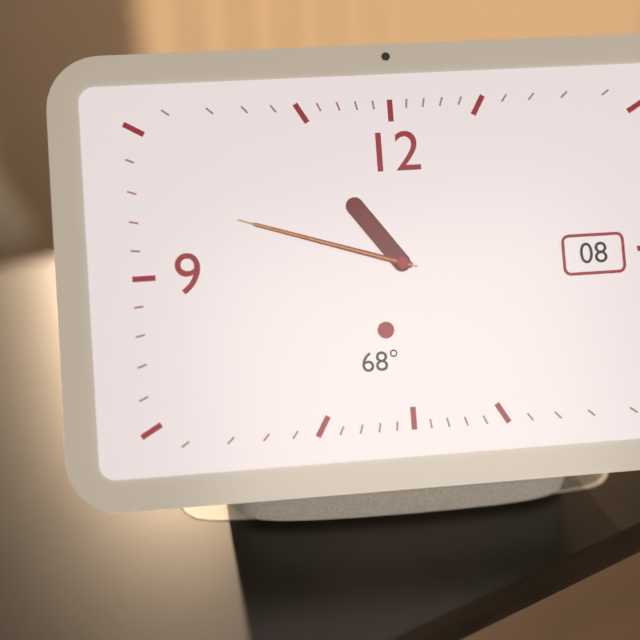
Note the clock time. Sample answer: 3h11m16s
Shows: 10h48m48s
